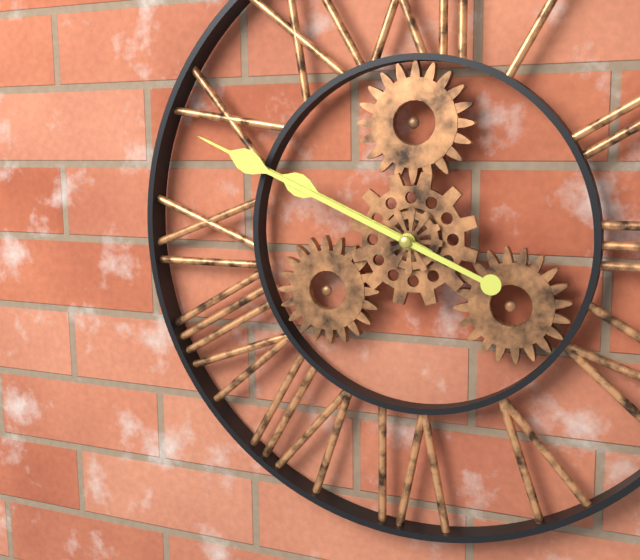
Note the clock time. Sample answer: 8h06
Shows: 9h49
